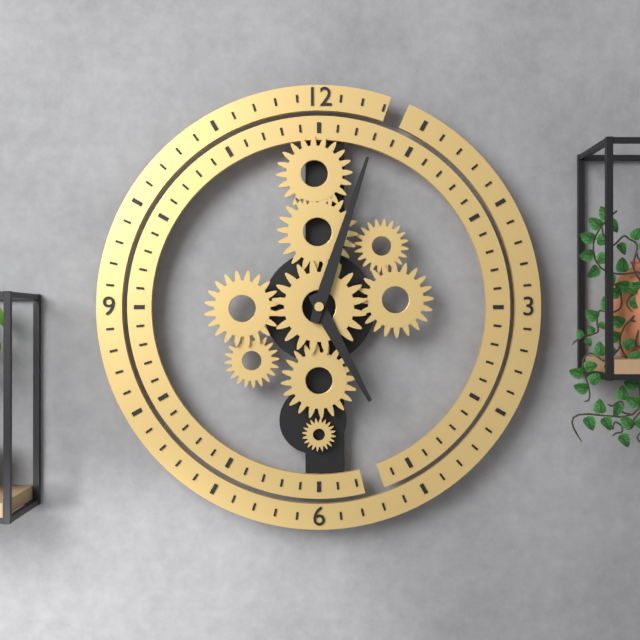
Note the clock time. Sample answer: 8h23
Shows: 5h03
